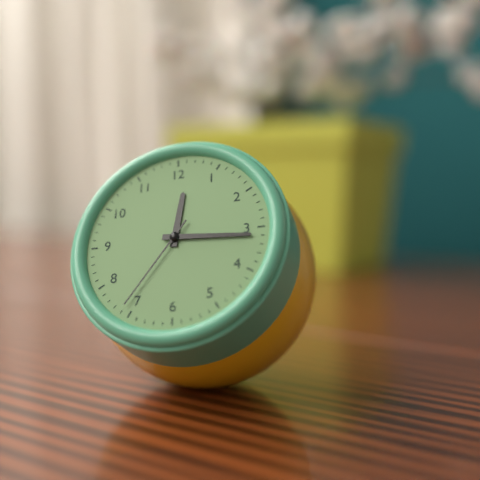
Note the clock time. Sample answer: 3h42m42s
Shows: 12h16m36s
